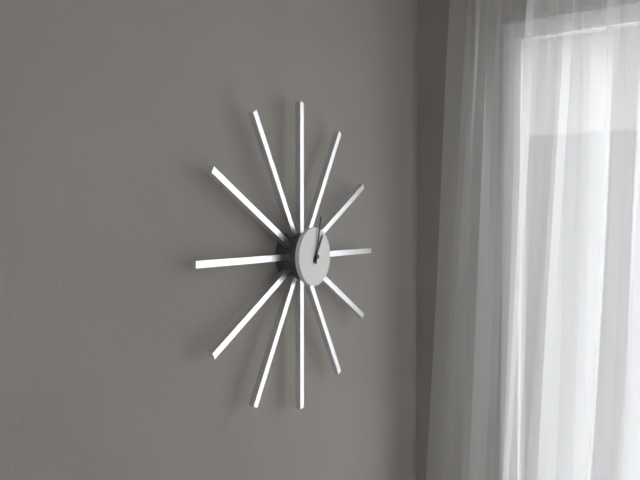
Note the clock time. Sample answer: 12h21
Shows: 1h02
